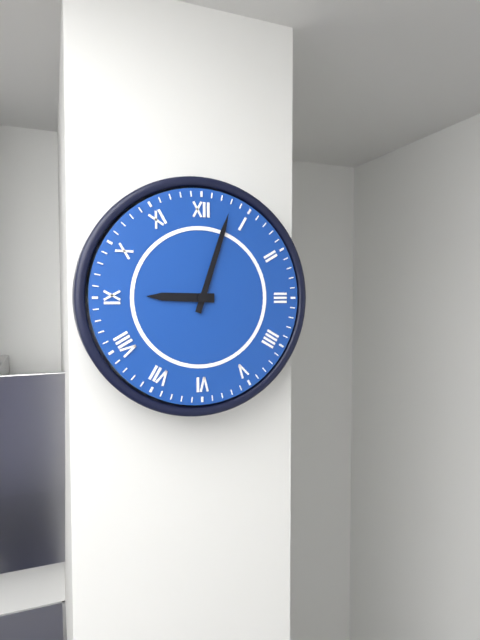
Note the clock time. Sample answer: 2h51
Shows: 9h03
